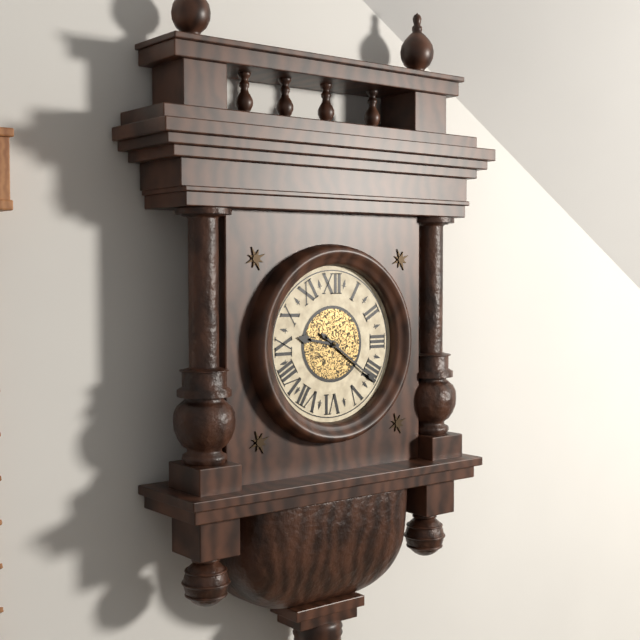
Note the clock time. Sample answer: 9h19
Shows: 9h21
